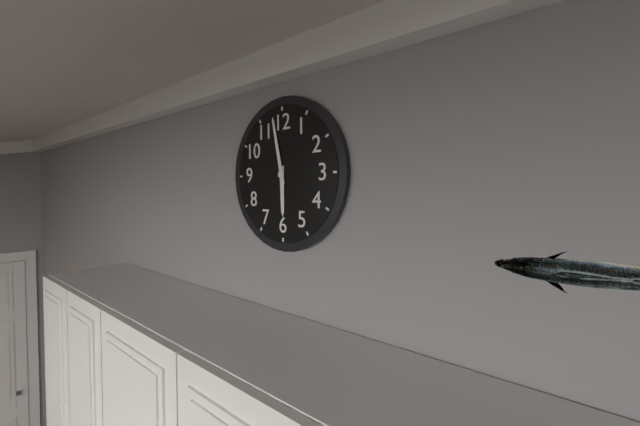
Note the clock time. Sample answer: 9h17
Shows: 5h58
